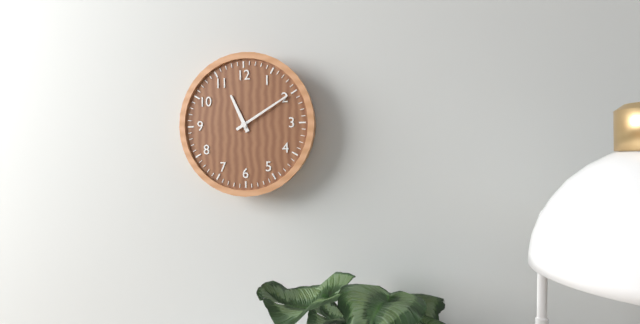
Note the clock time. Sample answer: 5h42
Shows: 11h10
